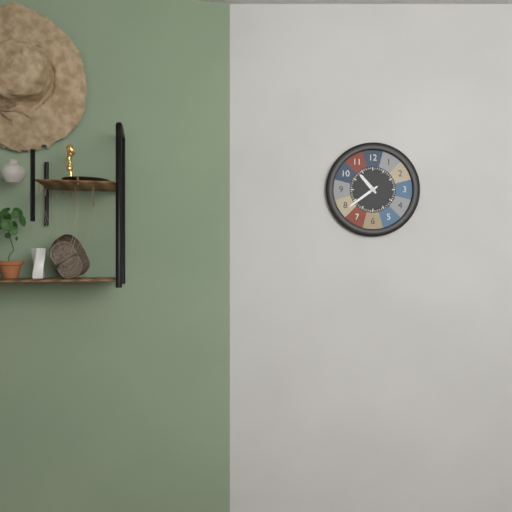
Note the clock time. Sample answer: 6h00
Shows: 10h39
